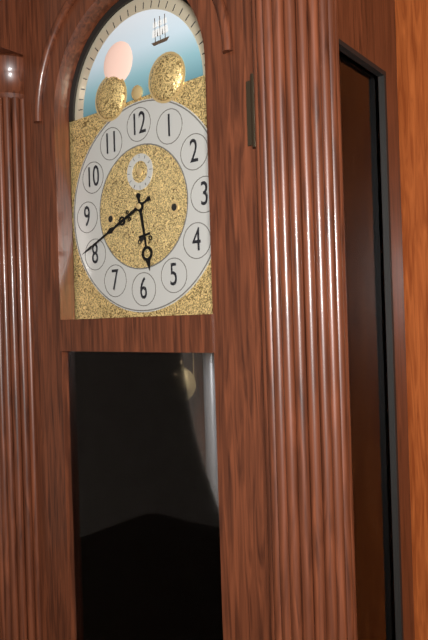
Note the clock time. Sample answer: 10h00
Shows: 5h41
